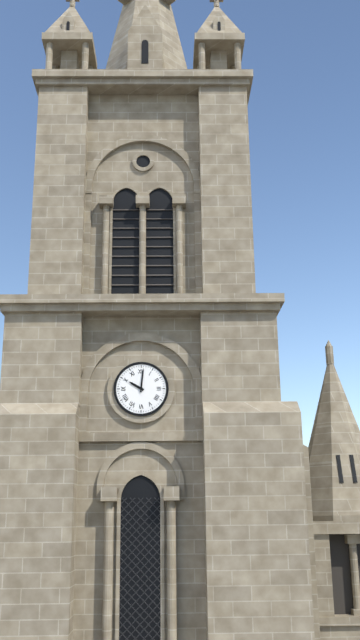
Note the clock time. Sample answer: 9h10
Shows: 10h01
